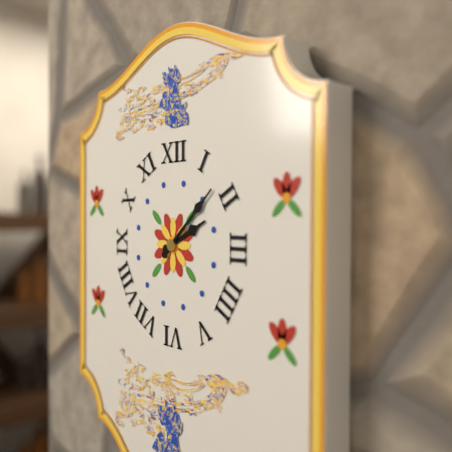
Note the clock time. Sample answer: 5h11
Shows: 2h08
